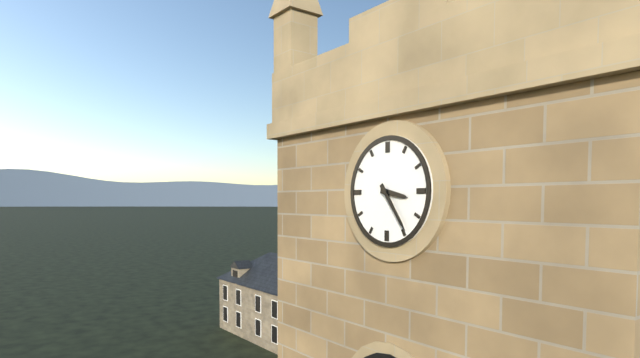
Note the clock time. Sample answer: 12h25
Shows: 3h24
